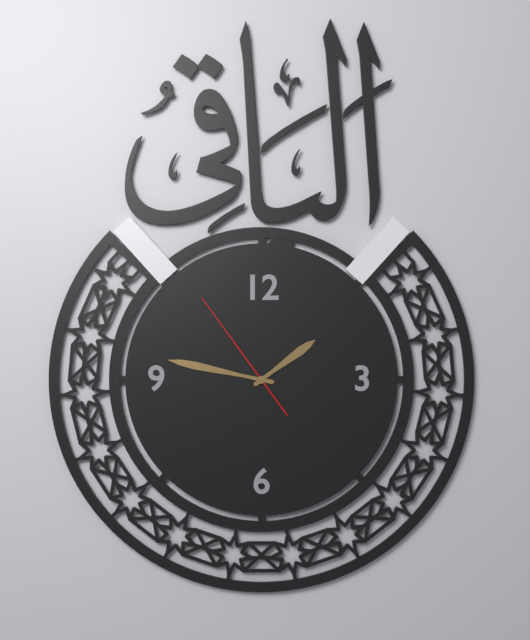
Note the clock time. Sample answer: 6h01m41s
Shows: 1h47m54s
